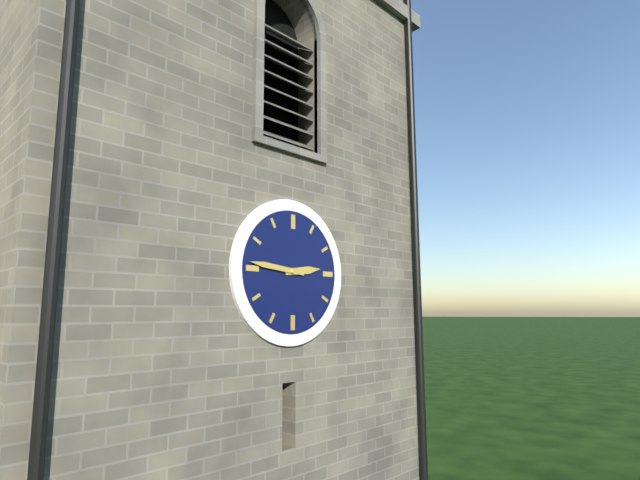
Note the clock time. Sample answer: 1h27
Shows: 2h46
